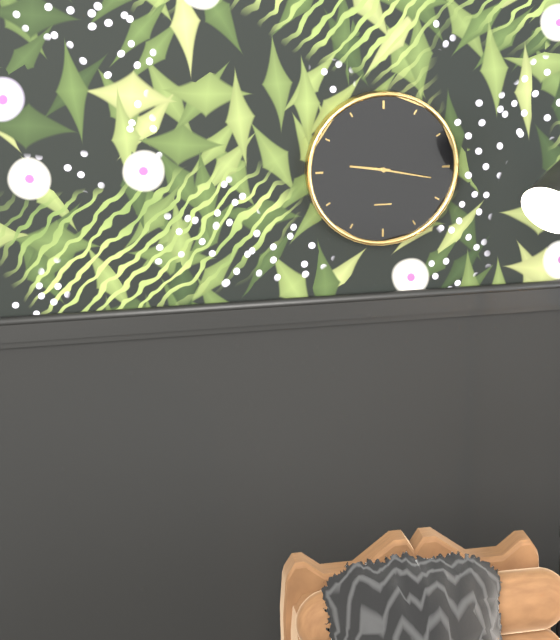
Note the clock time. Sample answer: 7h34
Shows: 9h17
